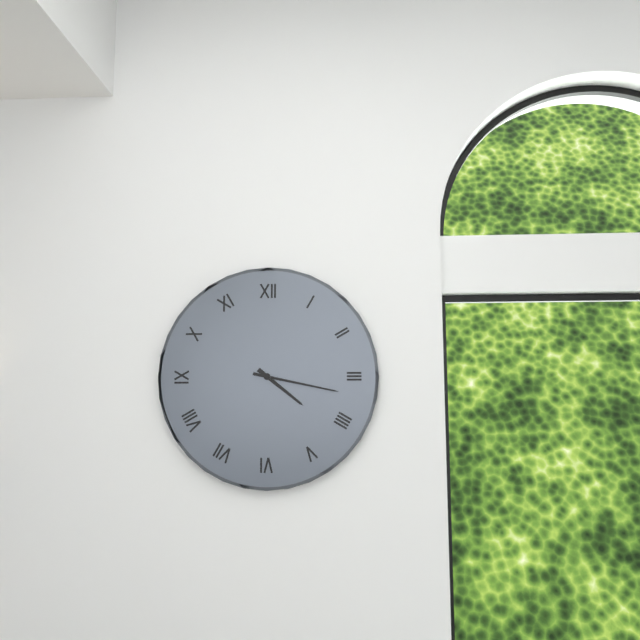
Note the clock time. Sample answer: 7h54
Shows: 4h17
